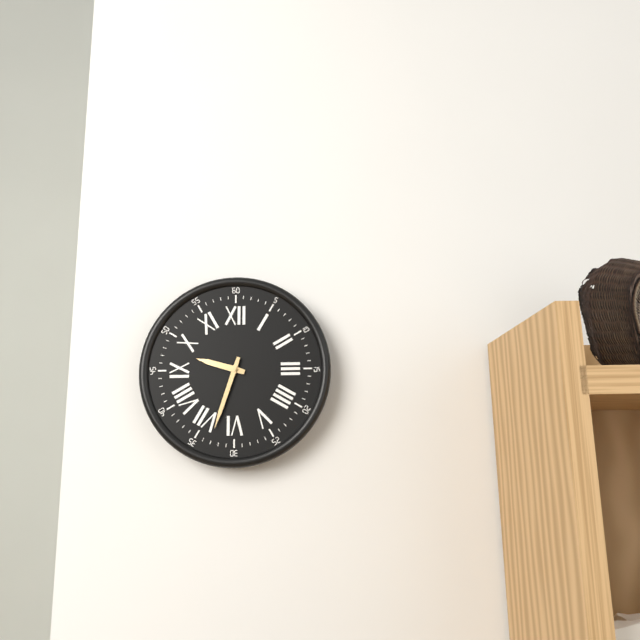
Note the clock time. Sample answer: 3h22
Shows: 9h33
